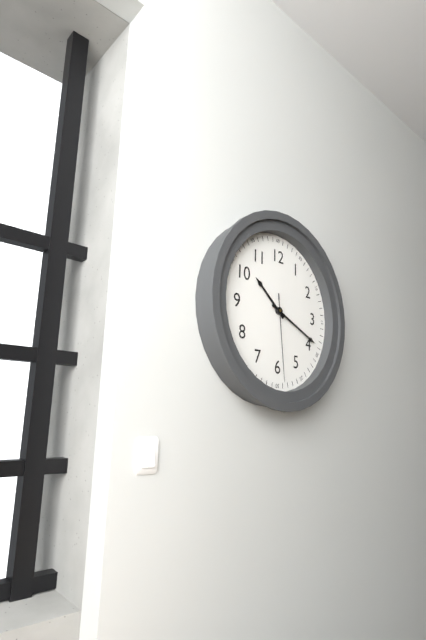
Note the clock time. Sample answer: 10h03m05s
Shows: 10h19m29s
